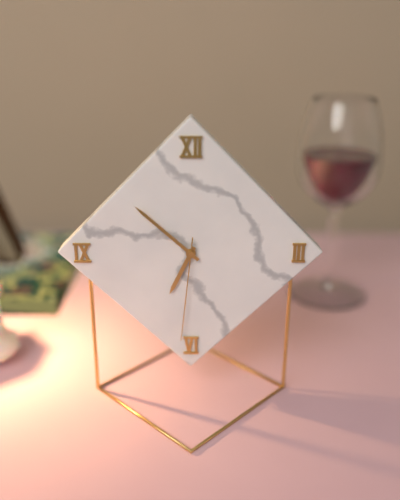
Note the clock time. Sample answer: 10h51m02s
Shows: 6h52m31s
